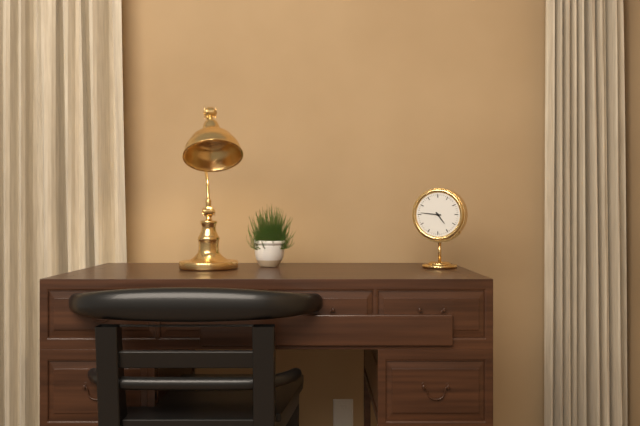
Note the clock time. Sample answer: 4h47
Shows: 4h46
